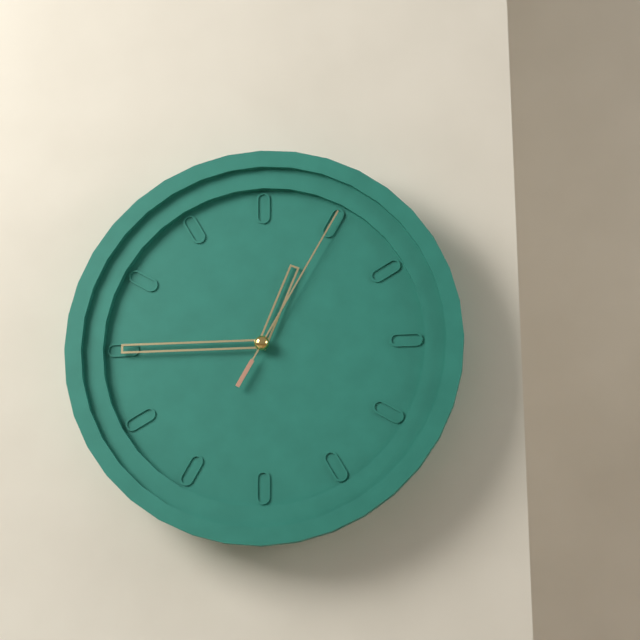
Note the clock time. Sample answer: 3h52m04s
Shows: 12h45m05s
